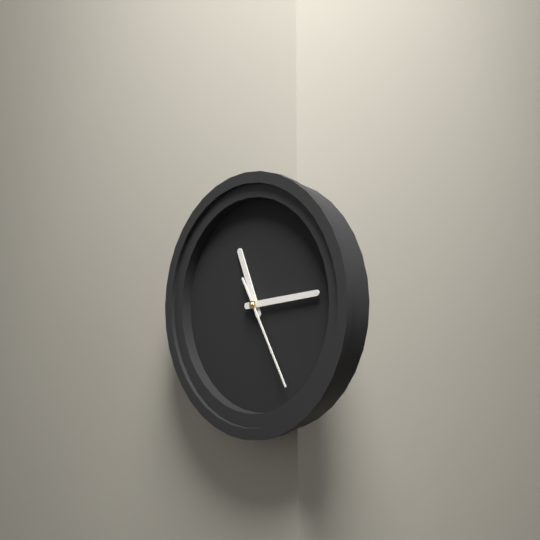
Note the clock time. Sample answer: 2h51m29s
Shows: 11h14m25s
